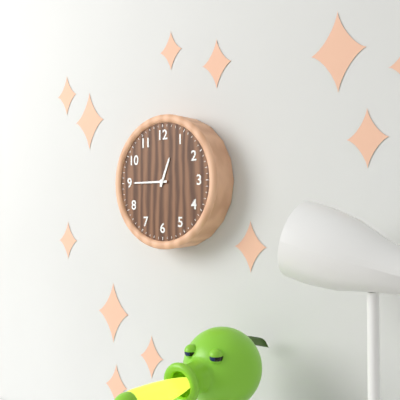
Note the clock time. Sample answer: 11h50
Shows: 12h45
